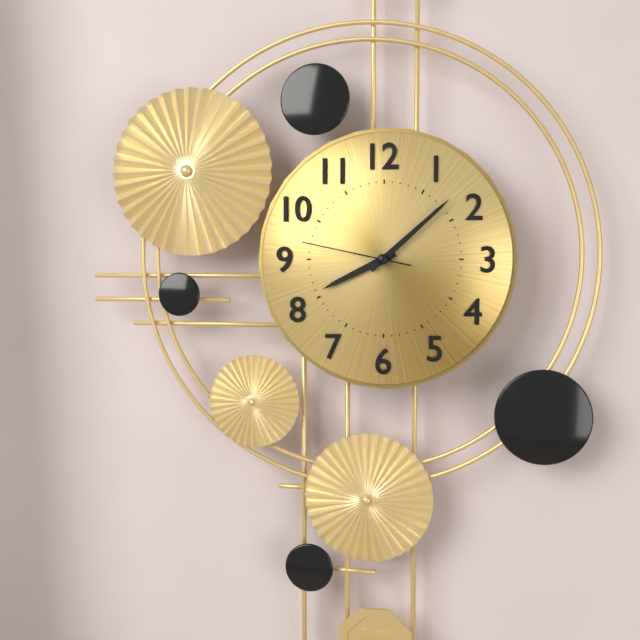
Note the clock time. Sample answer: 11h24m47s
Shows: 8h08m47s
